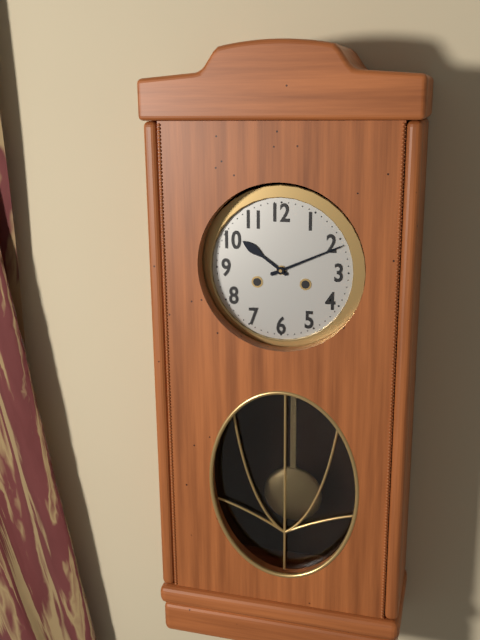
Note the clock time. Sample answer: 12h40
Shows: 10h11
